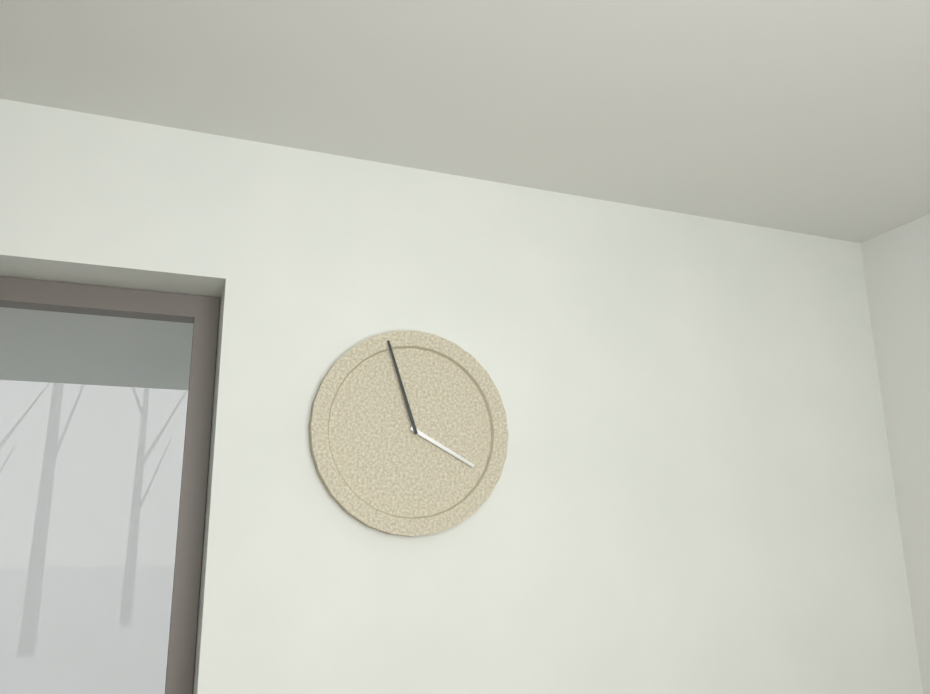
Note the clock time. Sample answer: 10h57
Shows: 3h57
